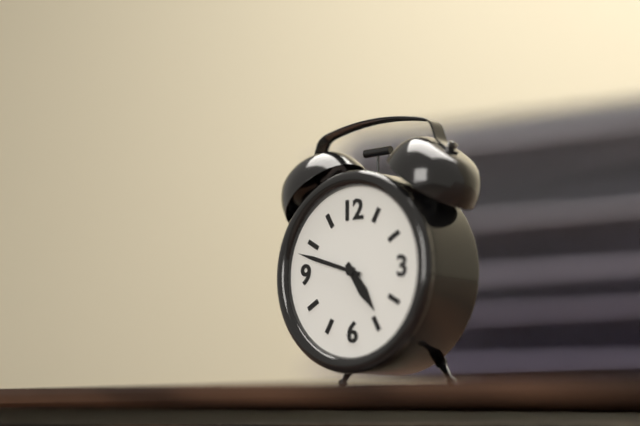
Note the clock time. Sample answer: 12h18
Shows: 4h48
